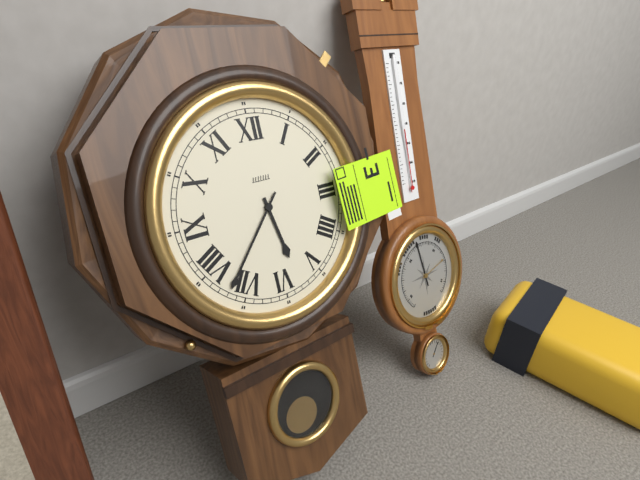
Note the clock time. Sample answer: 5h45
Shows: 5h37
